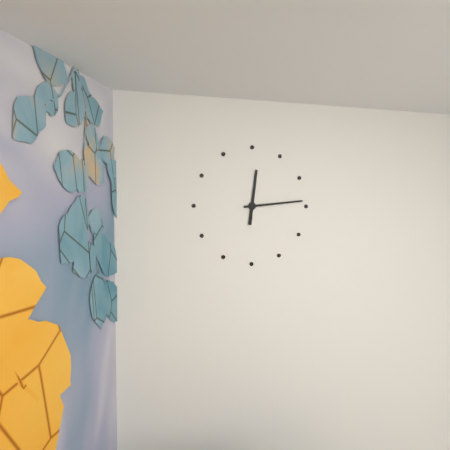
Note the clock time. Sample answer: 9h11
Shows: 12h14
